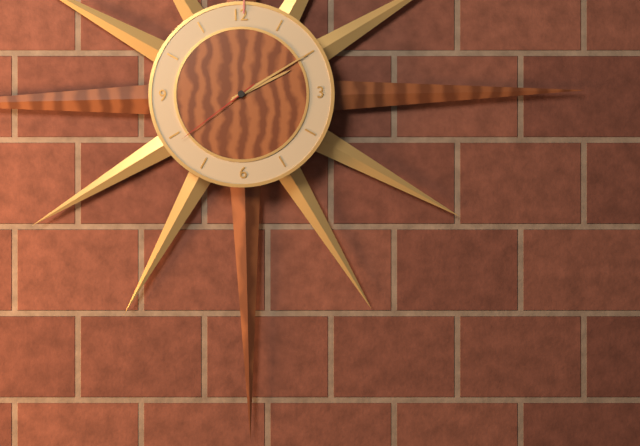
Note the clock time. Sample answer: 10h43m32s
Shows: 2h10m39s
